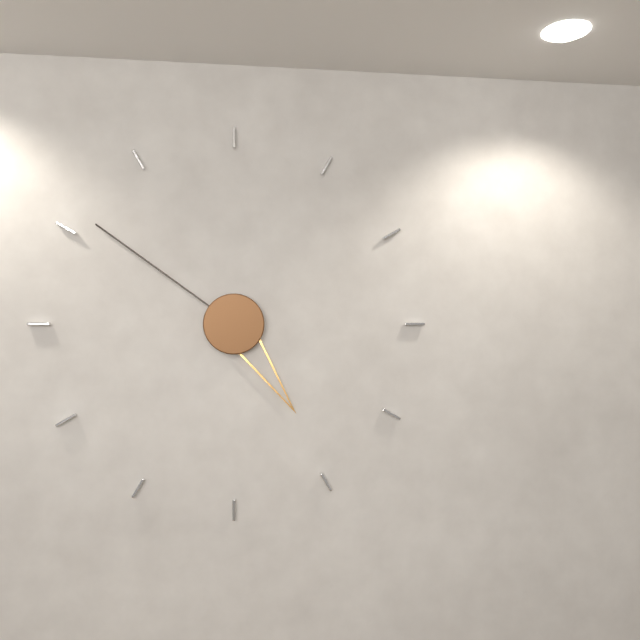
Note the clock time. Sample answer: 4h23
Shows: 4h51
